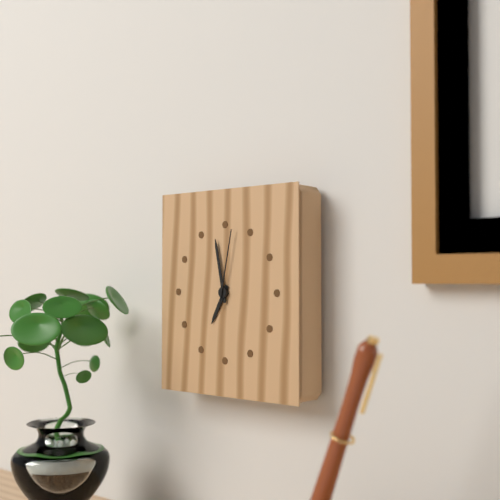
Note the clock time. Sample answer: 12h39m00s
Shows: 6h58m02s
